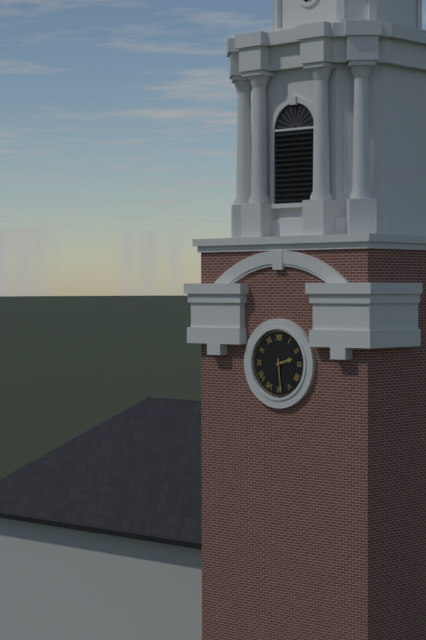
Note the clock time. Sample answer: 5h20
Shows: 2h29
